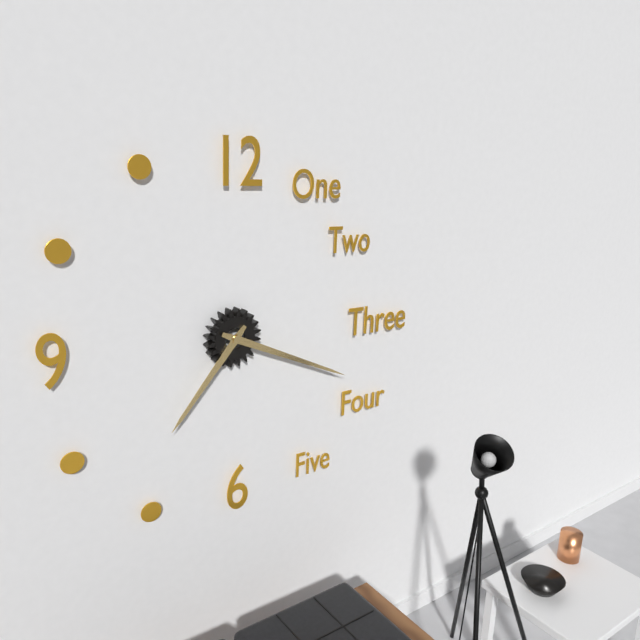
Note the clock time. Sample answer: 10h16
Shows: 7h19
